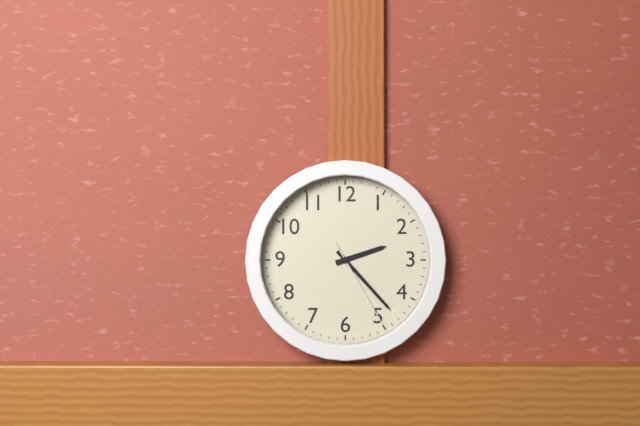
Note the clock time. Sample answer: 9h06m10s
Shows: 2h23m25s
